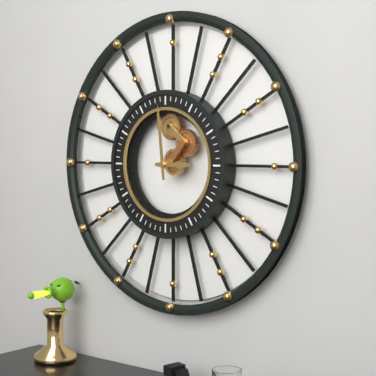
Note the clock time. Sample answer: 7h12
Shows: 2h59
